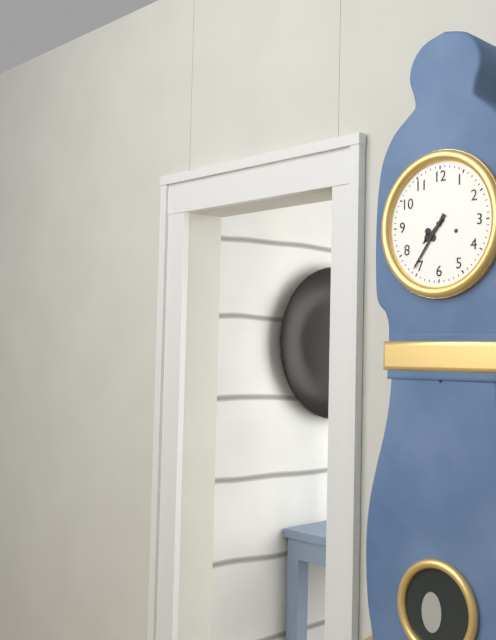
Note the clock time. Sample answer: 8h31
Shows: 7h36
